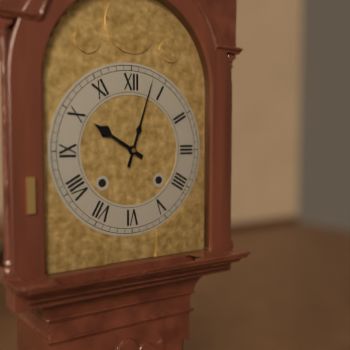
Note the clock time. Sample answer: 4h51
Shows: 10h03
